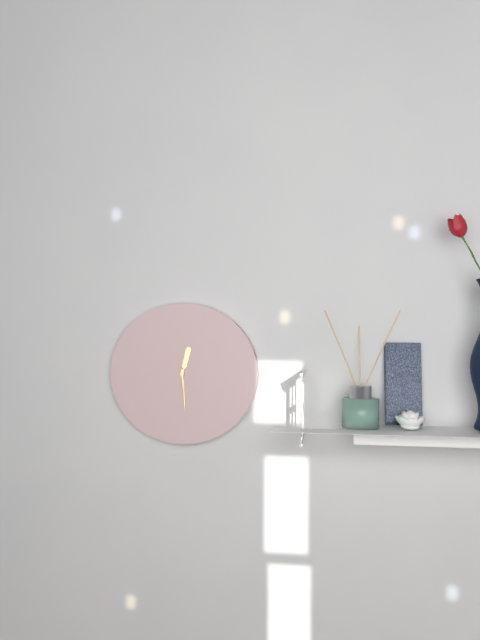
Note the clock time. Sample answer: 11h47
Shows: 12h29
